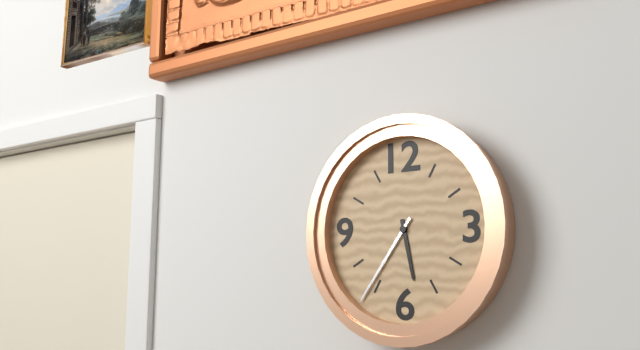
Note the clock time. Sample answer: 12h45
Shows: 5h36
